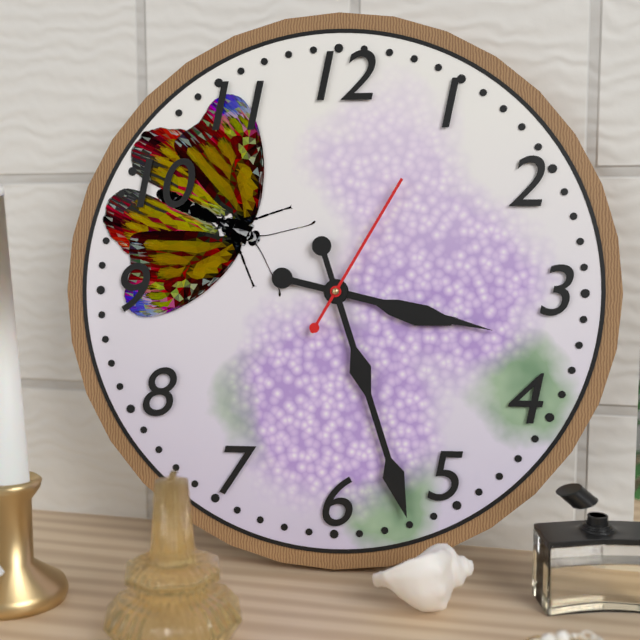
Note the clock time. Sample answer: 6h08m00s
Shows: 3h27m05s
